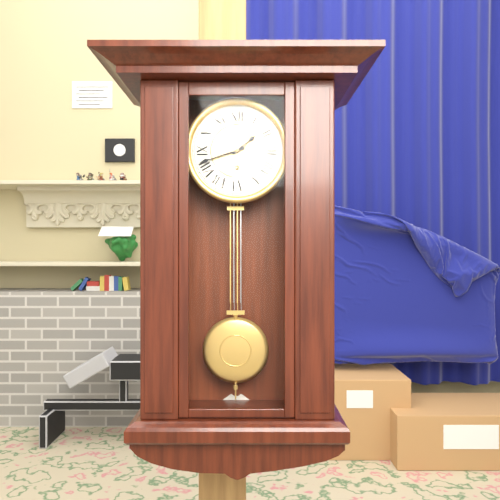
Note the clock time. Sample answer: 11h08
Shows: 1h42
